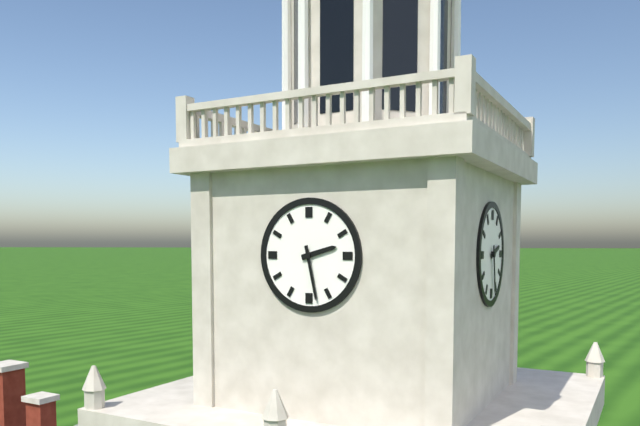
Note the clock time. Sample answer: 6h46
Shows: 2h28
